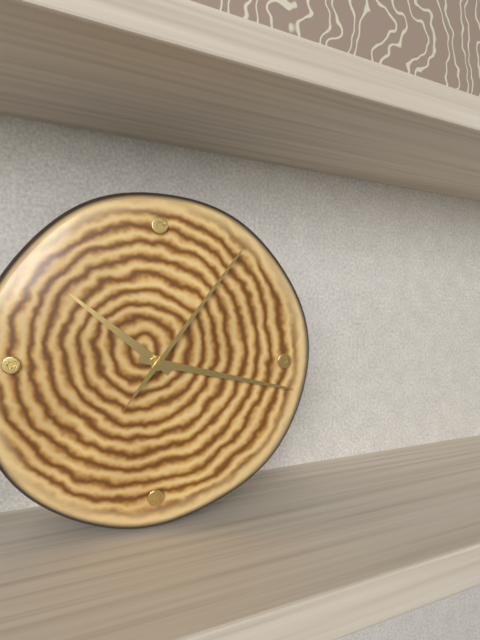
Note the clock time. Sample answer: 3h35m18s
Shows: 10h17m06s
